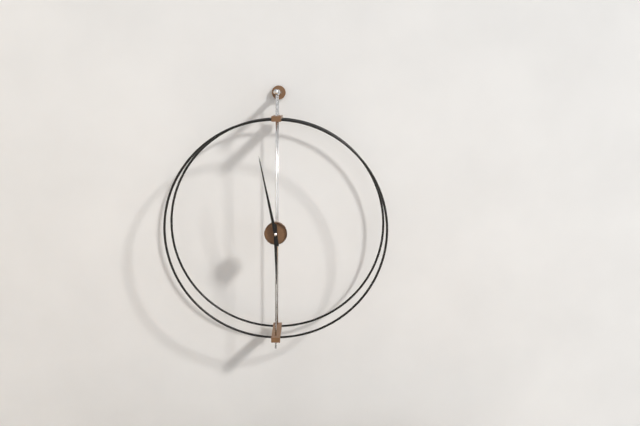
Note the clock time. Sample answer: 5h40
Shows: 5h58
